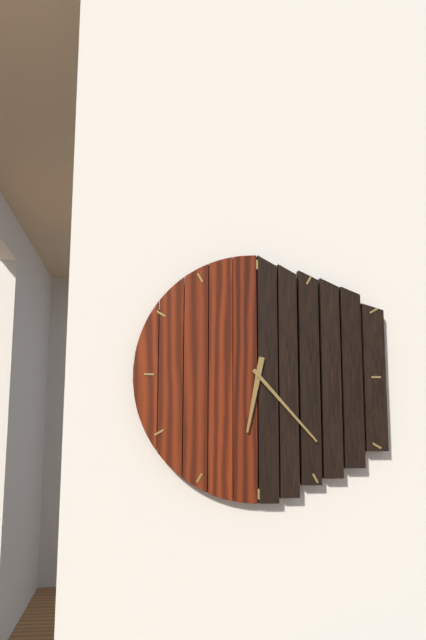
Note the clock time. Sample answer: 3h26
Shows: 6h23
